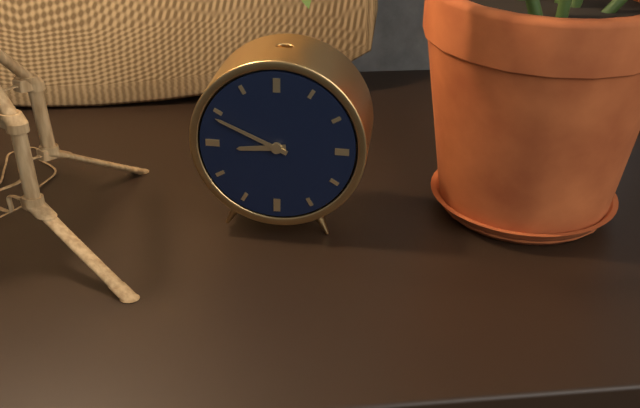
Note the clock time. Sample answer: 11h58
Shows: 8h49
